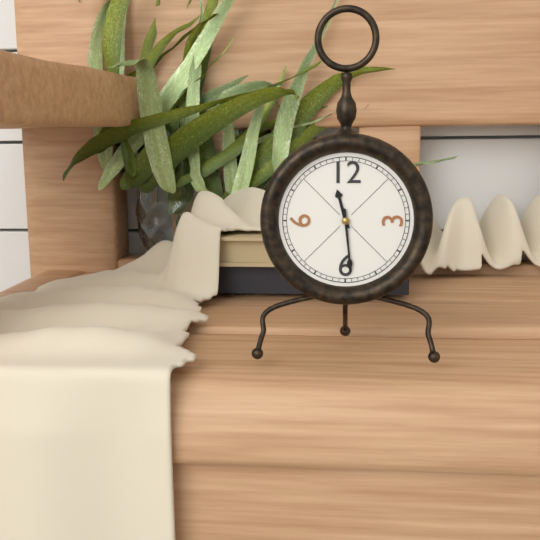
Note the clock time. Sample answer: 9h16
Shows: 11h29
